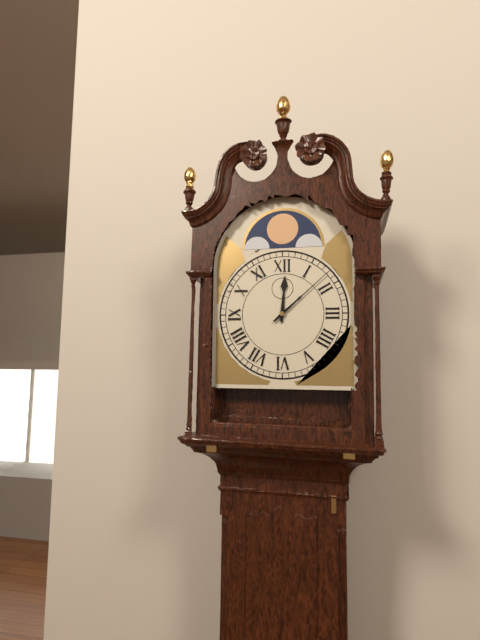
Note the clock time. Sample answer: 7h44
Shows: 12h08
